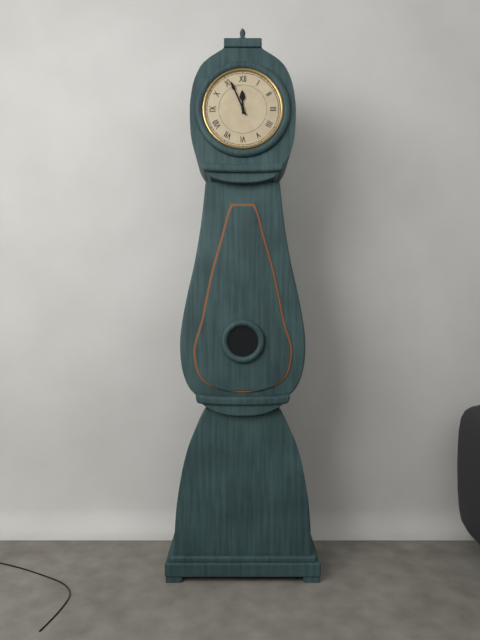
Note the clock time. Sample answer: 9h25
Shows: 11h56
